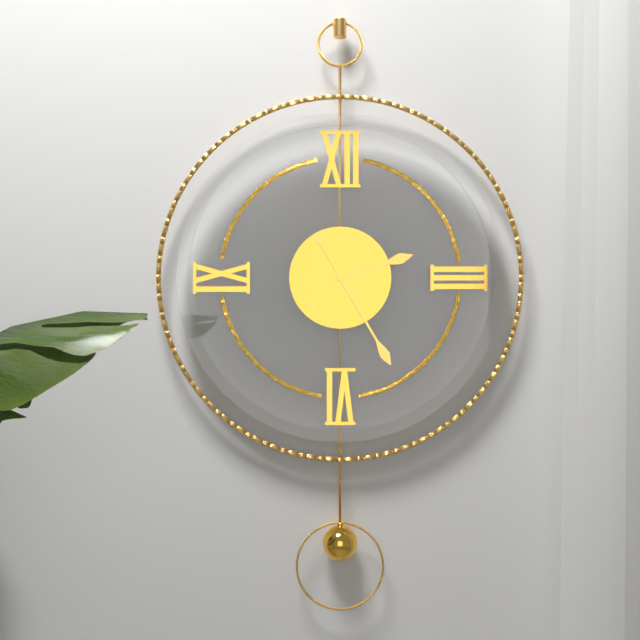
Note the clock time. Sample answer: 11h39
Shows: 2h25
